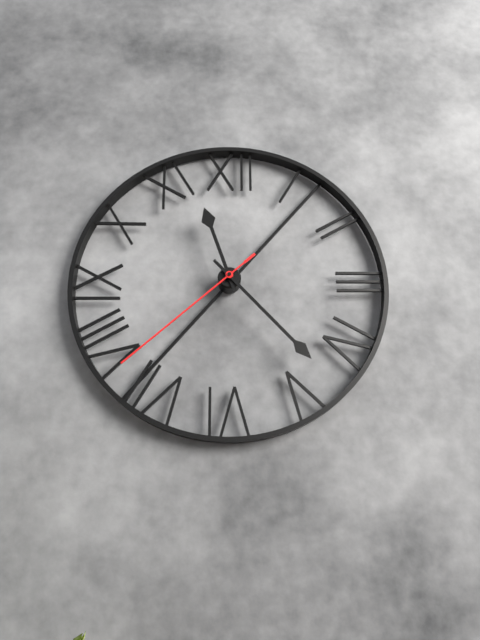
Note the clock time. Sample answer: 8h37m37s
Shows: 11h23m38s
